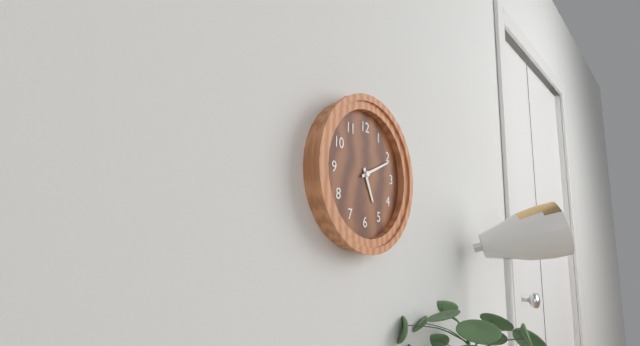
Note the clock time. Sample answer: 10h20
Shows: 5h11
